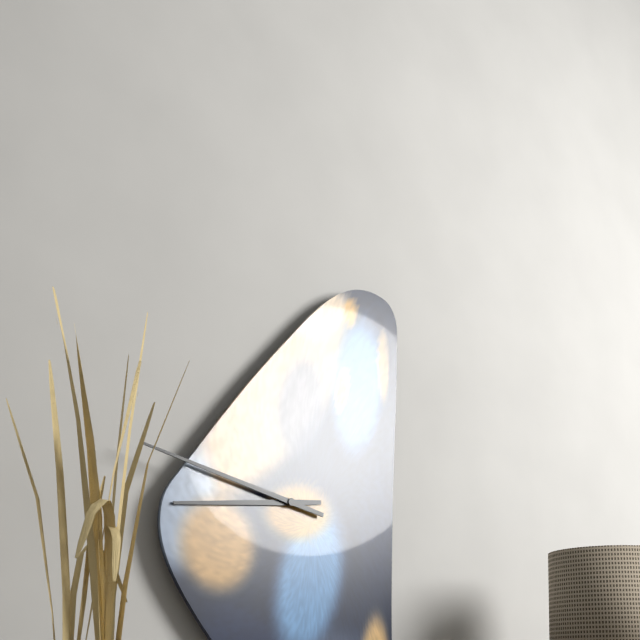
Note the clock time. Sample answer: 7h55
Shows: 8h47
